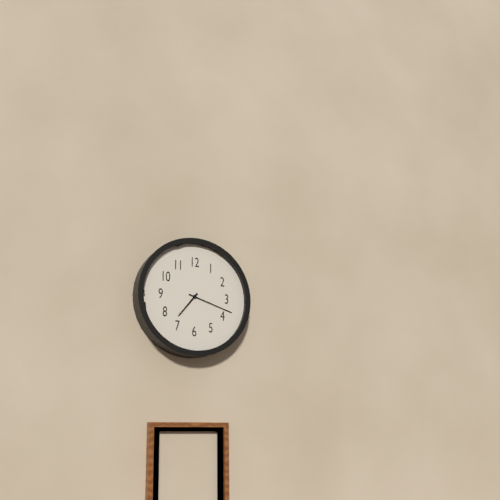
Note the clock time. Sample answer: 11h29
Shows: 7h18
